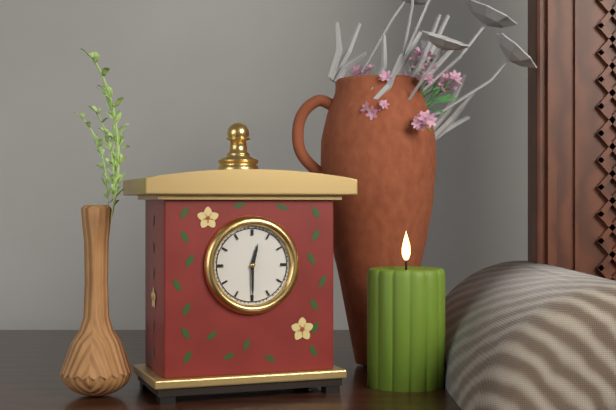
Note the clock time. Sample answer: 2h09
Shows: 12h30
